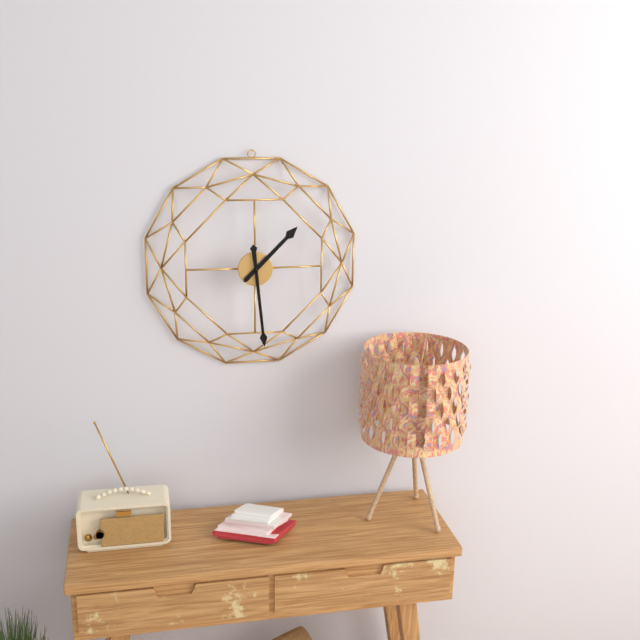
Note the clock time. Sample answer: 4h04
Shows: 1h29
